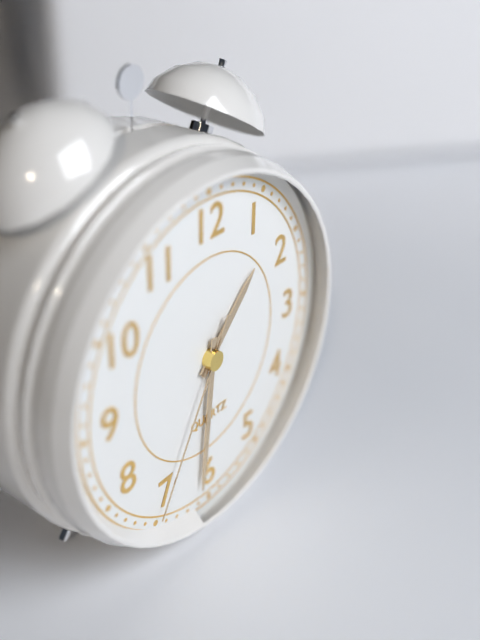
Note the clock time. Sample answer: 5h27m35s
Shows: 1h31m35s
